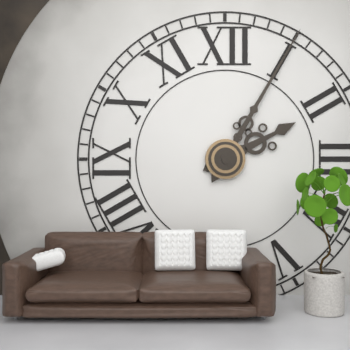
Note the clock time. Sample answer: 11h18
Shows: 2h05
